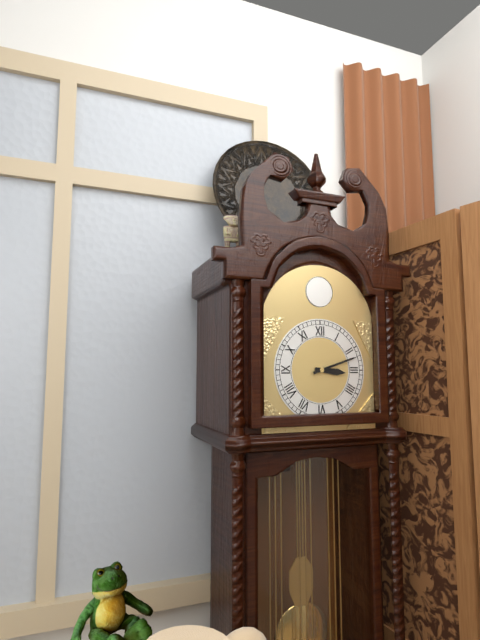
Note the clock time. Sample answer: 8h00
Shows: 3h12
